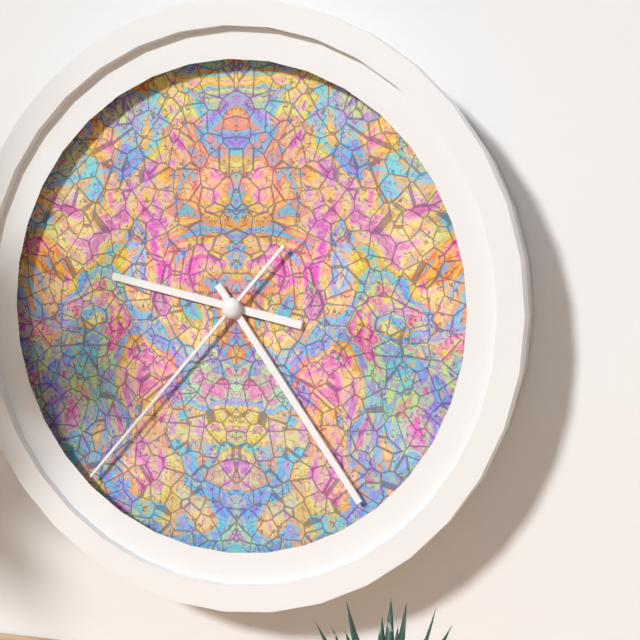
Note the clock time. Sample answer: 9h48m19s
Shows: 9h24m37s
